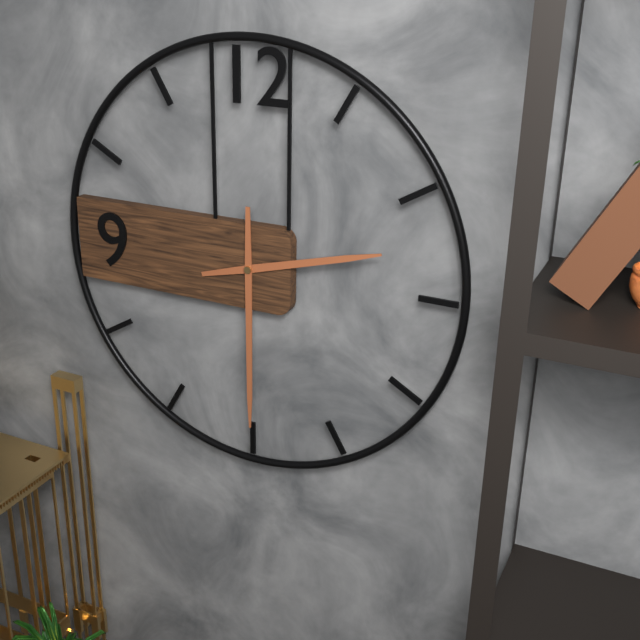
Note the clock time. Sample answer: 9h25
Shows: 2h30
